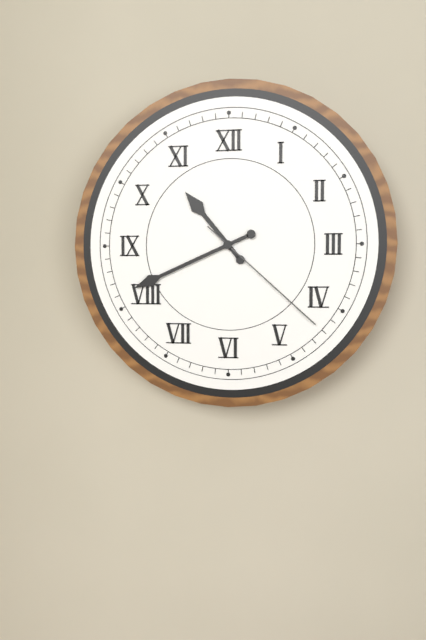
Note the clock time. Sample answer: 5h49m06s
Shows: 10h41m22s
